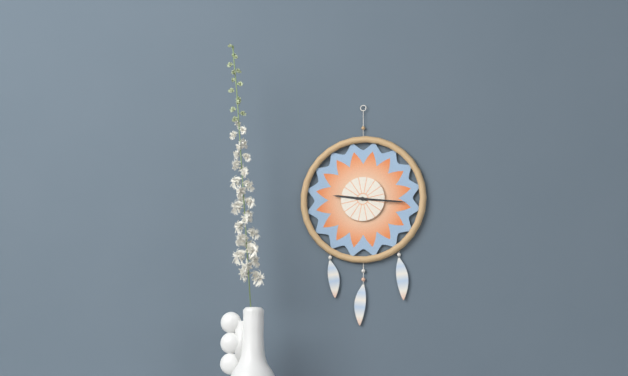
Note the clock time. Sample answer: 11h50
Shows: 9h16
